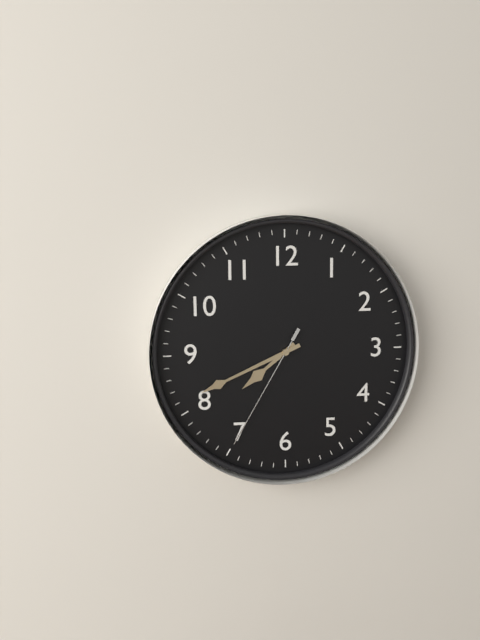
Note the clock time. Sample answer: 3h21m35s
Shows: 7h41m35s
